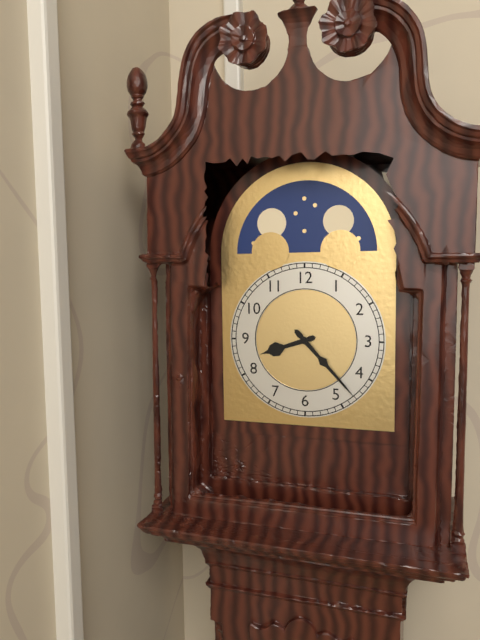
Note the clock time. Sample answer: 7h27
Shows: 8h23
